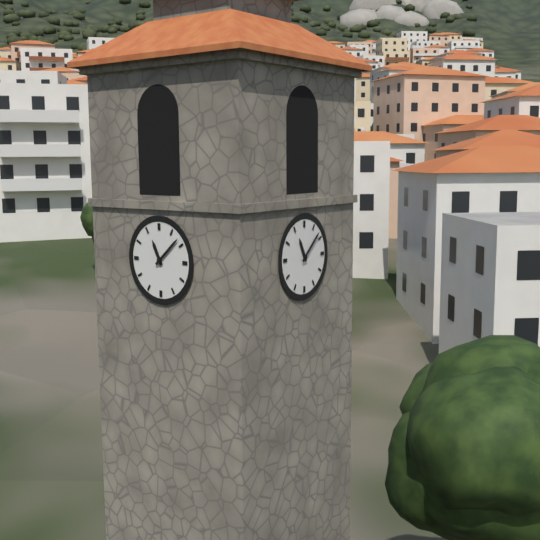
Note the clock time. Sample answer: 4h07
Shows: 11h08
